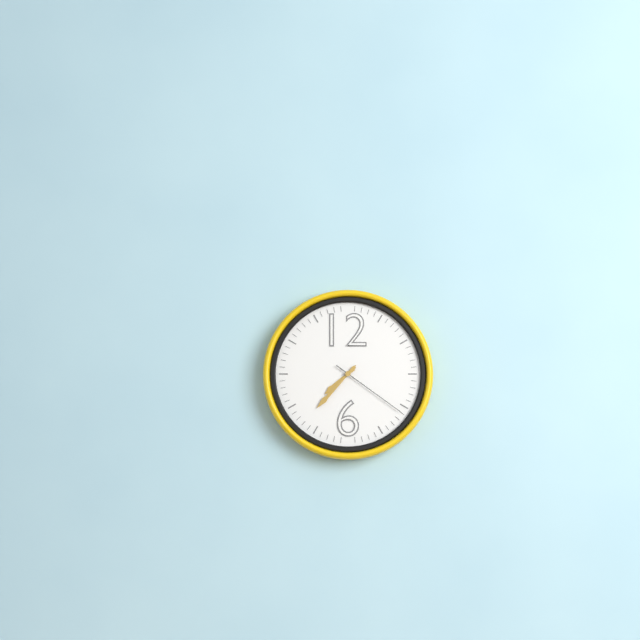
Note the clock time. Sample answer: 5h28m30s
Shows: 7h37m21s
